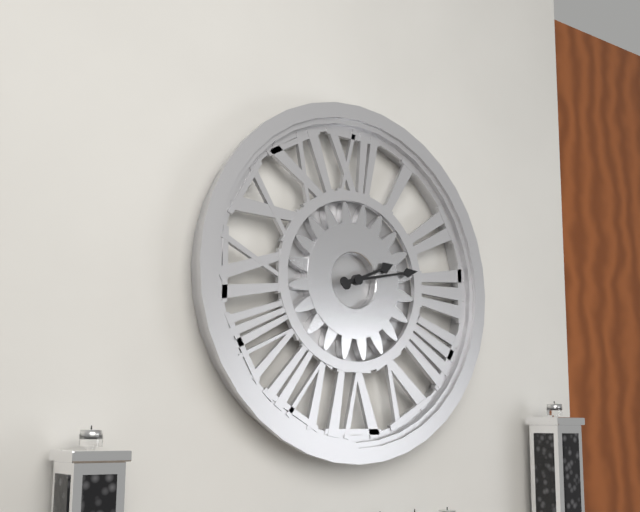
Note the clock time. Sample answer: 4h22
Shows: 2h13
